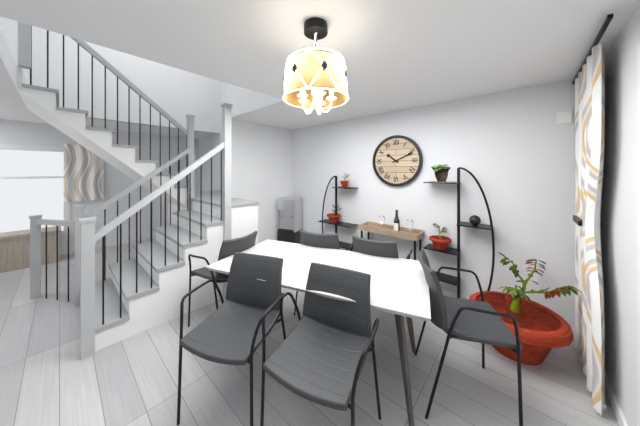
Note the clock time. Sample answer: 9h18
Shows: 10h11
